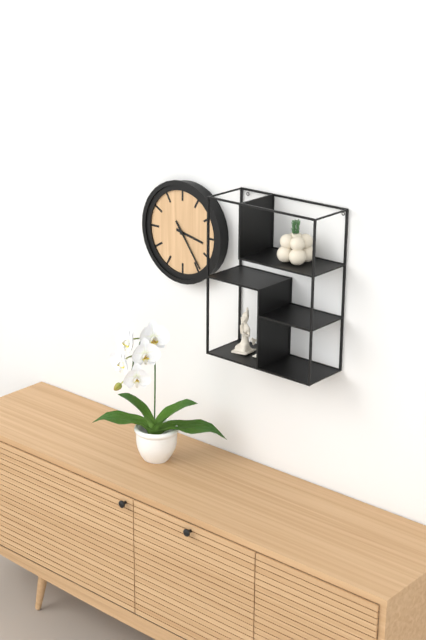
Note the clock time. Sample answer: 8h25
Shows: 3h24
